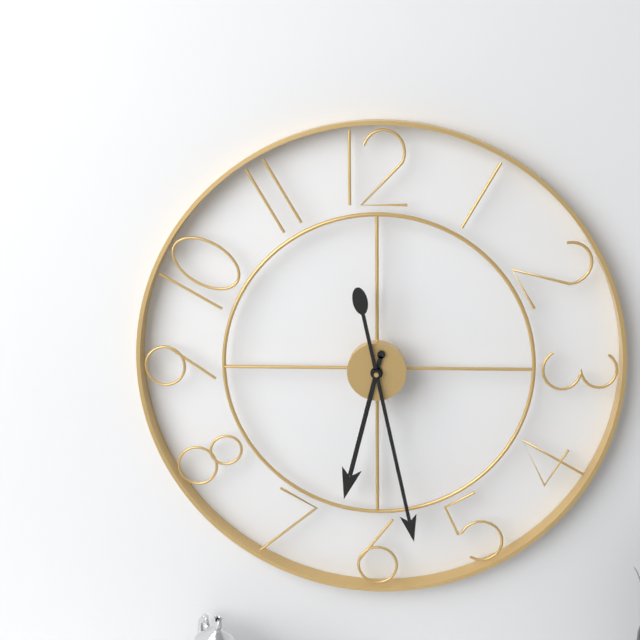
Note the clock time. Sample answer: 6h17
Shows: 6h28
